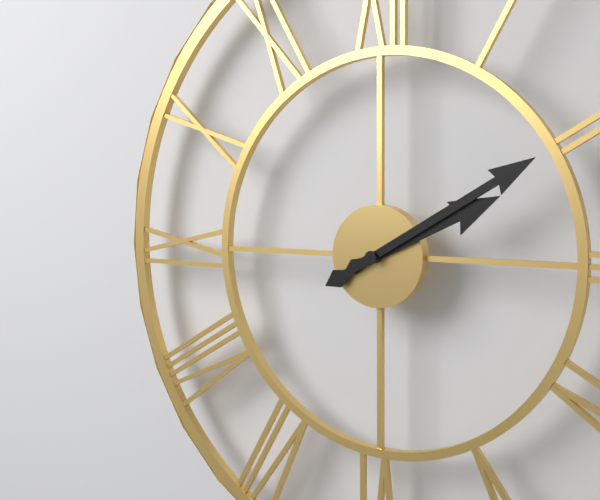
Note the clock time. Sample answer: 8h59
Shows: 2h10
